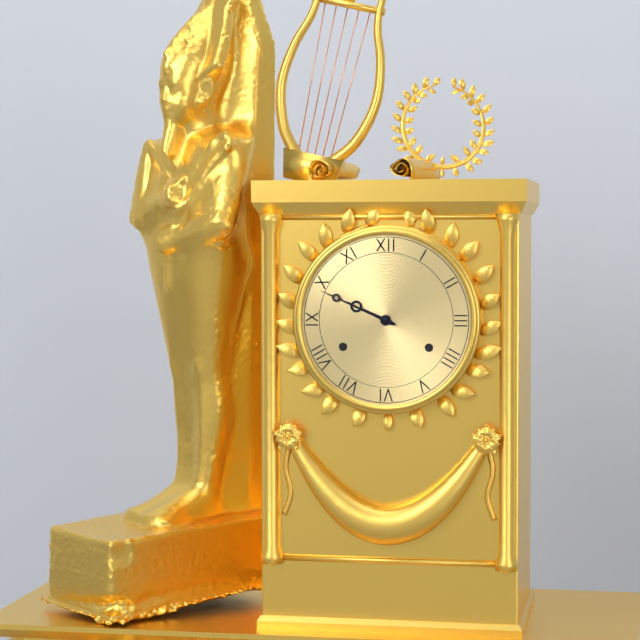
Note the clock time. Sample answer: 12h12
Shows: 9h49
